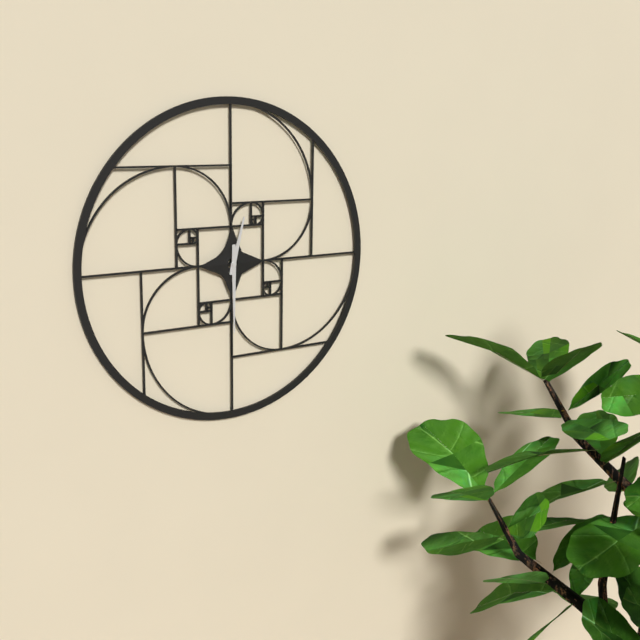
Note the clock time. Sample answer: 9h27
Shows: 12h30
